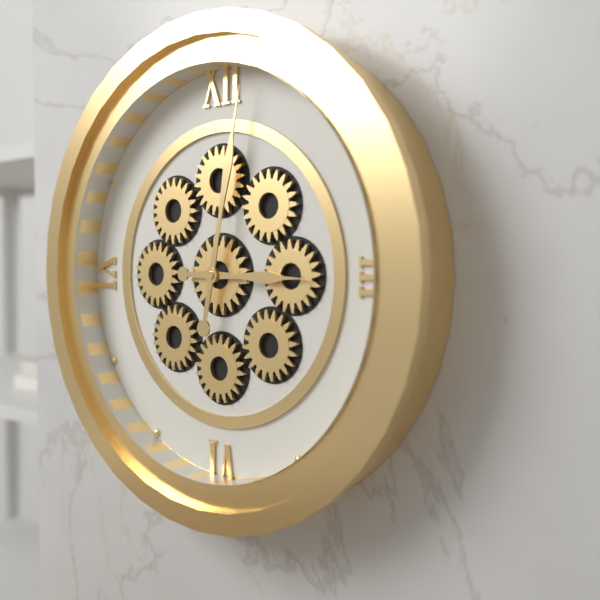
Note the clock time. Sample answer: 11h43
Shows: 3h02
